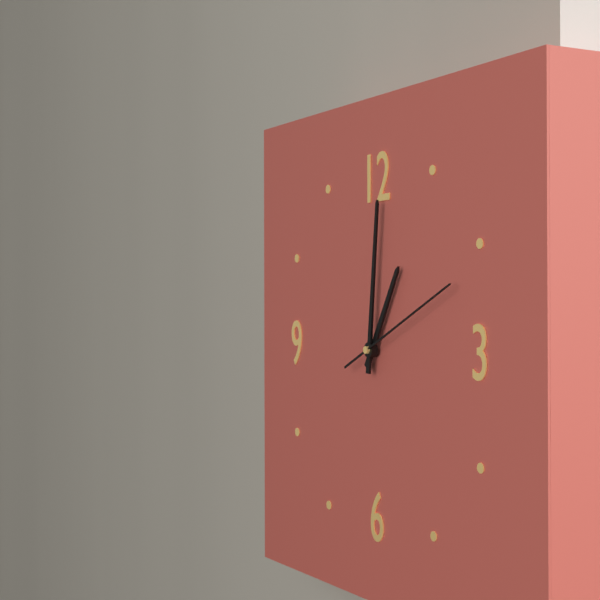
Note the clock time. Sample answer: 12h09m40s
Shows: 1h01m11s
